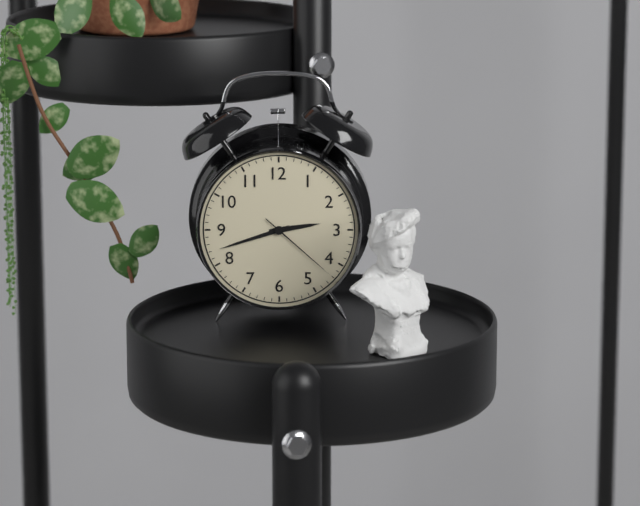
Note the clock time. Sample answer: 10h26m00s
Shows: 2h42m22s
